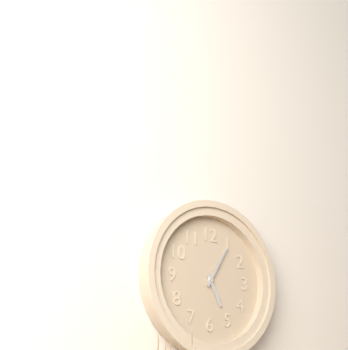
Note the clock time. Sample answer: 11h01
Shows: 5h05
